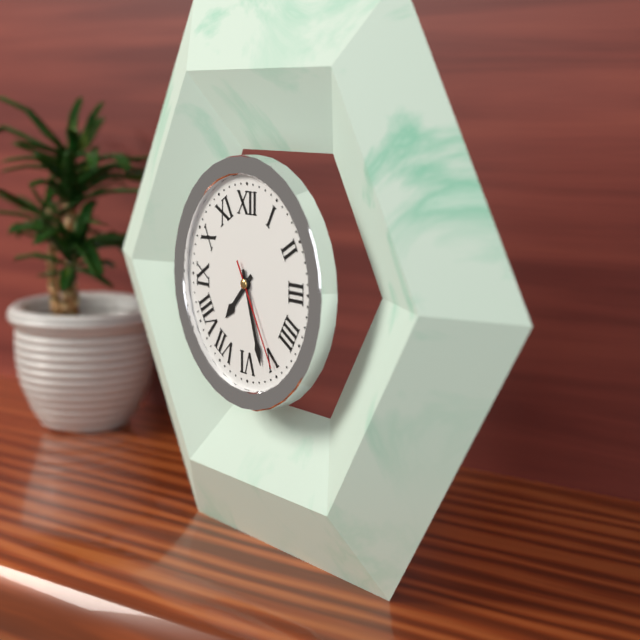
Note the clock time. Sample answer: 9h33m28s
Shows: 7h27m25s
